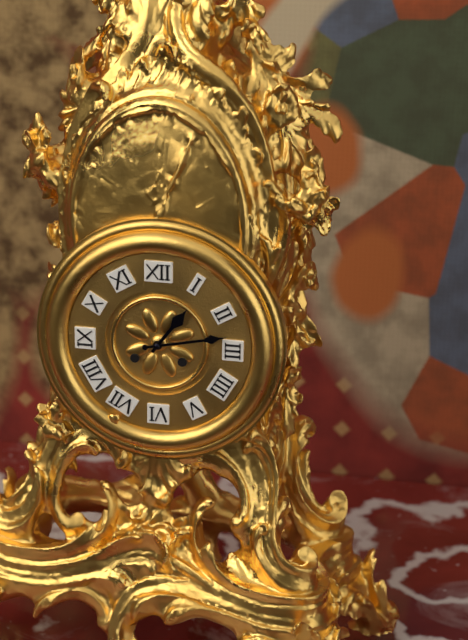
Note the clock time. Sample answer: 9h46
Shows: 1h13
